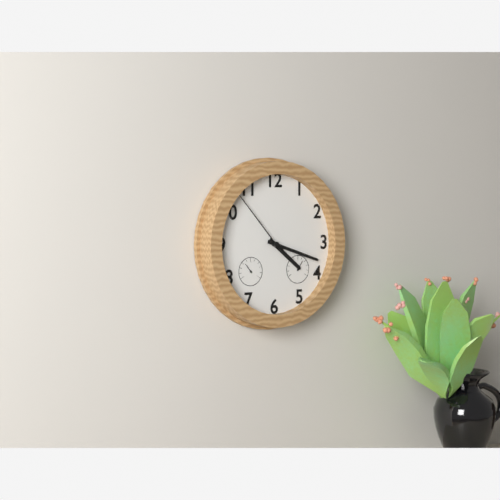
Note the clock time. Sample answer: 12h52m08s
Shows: 4h18m53s
